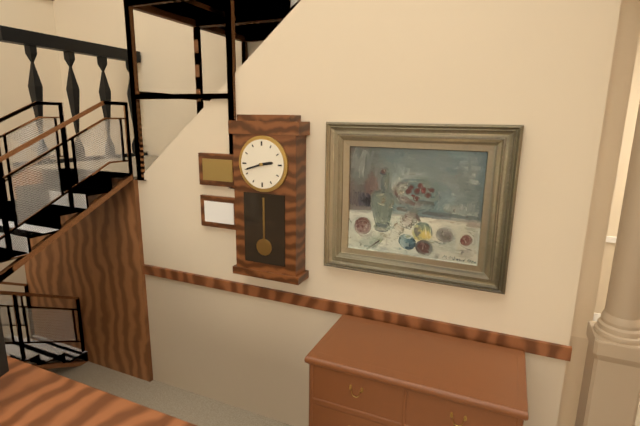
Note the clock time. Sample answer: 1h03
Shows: 2h42
